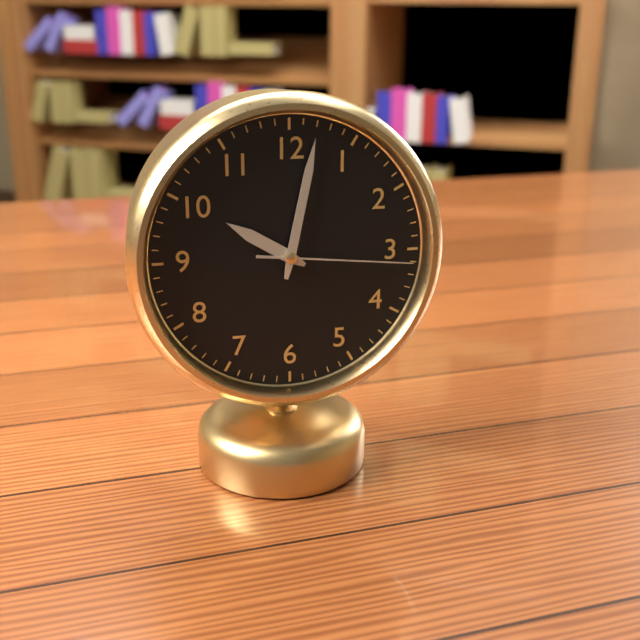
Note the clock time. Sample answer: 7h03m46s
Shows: 10h02m16s
